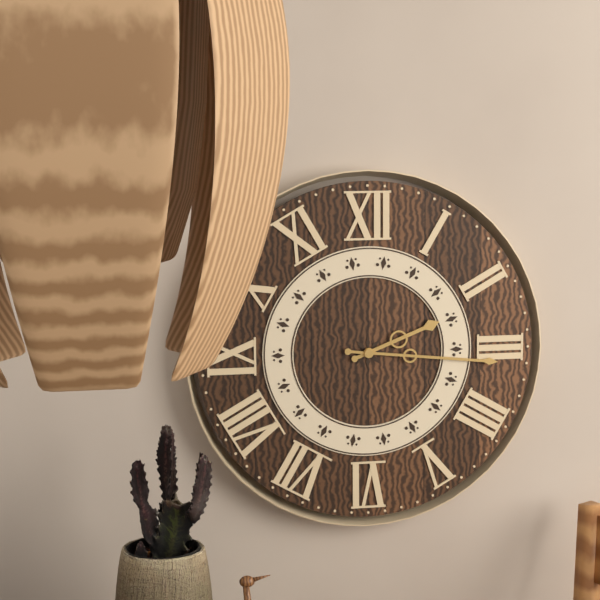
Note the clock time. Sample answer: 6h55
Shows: 2h16
